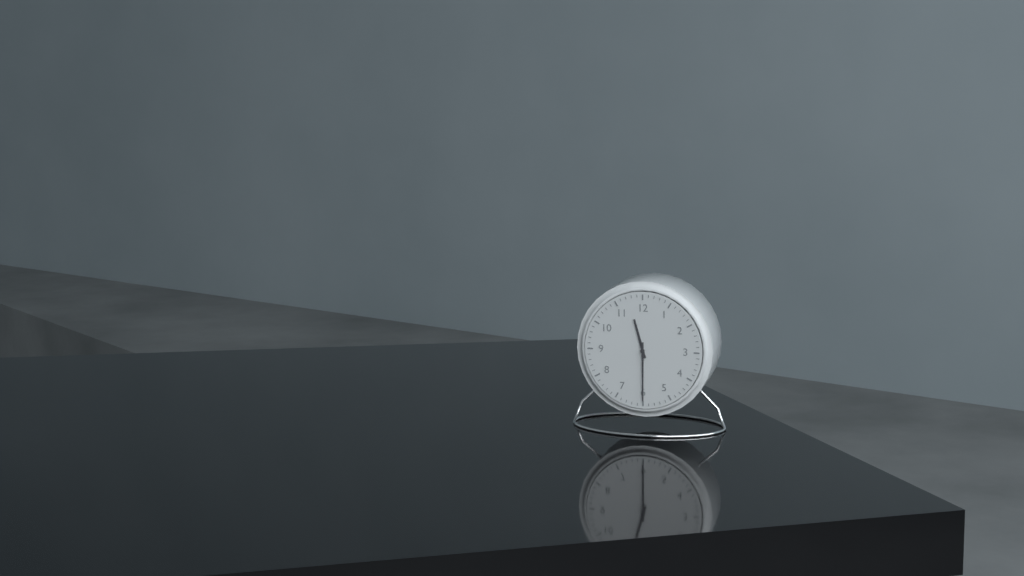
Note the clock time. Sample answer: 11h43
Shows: 11h30
